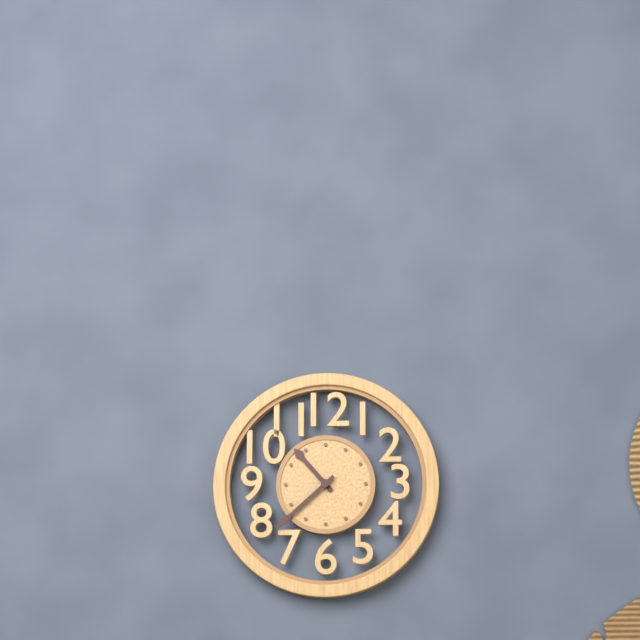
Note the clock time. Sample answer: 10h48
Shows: 10h38
